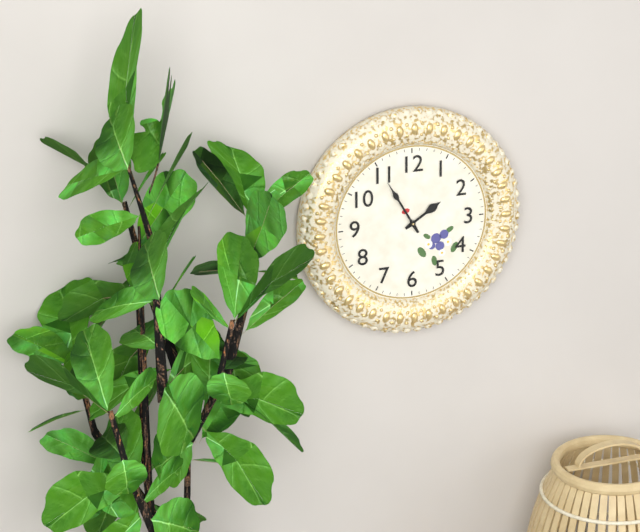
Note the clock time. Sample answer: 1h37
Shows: 1h55
